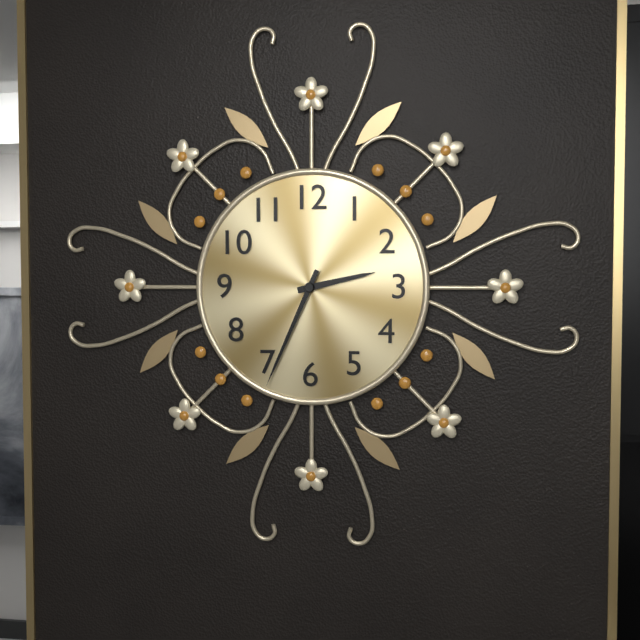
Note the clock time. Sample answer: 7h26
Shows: 2h34
